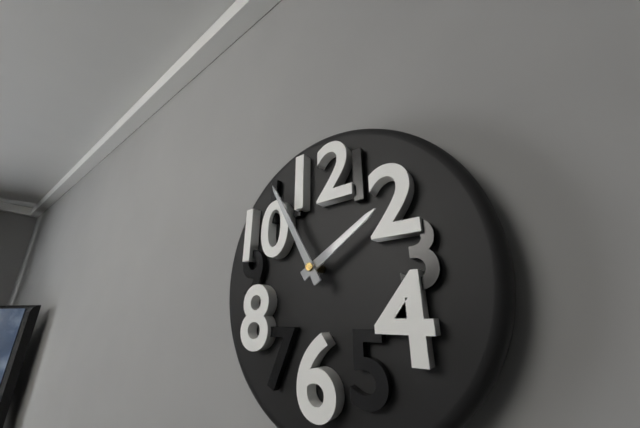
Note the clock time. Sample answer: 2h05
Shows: 1h55
